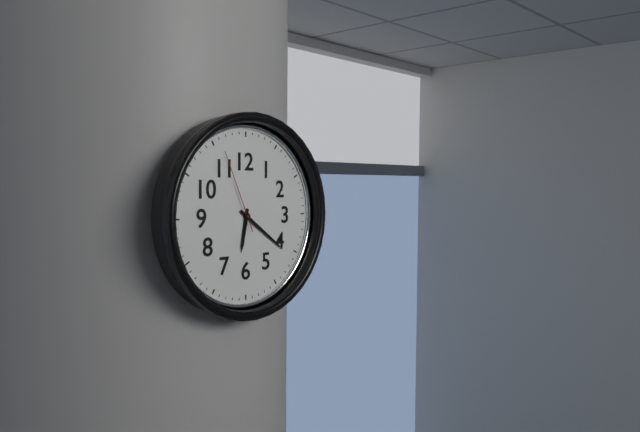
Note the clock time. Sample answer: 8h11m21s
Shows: 6h21m56s
